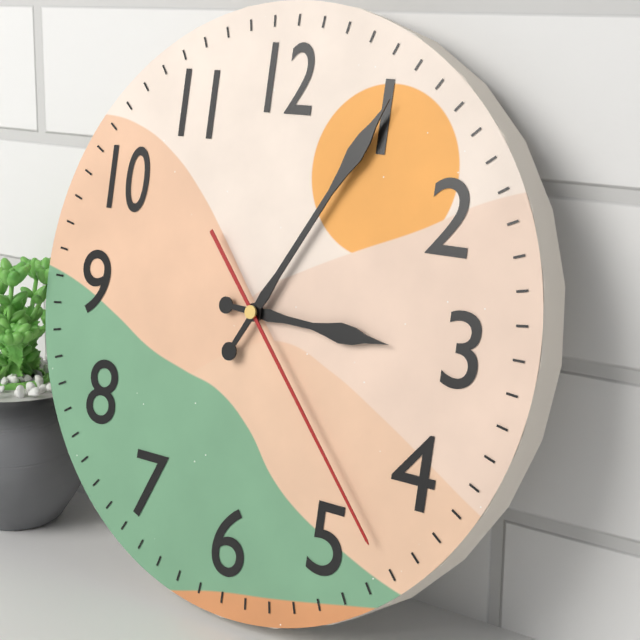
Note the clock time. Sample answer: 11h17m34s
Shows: 3h05m23s
